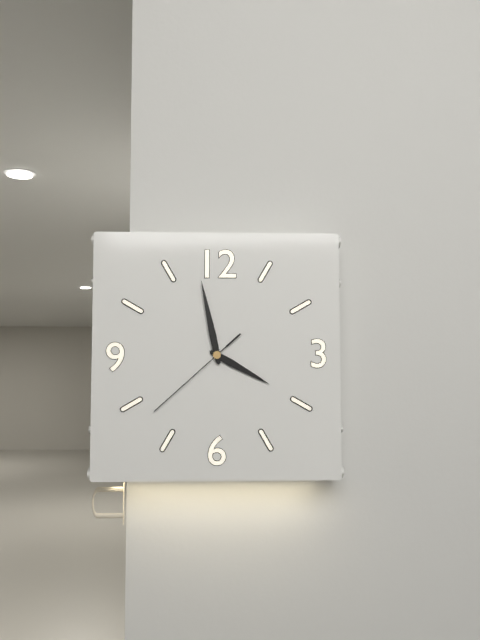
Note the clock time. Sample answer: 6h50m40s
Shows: 3h58m38s
